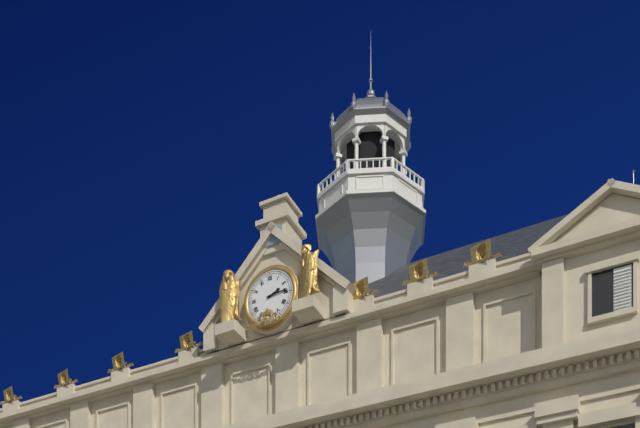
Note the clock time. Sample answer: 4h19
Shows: 2h14
